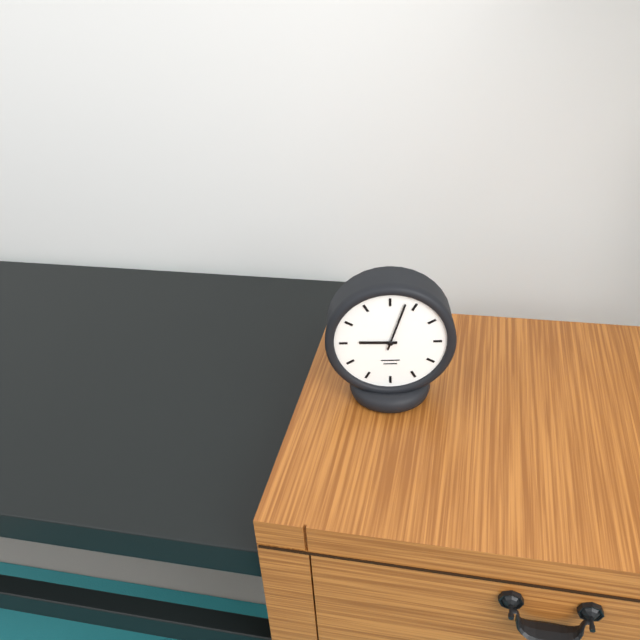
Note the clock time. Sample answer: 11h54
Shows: 9h03
